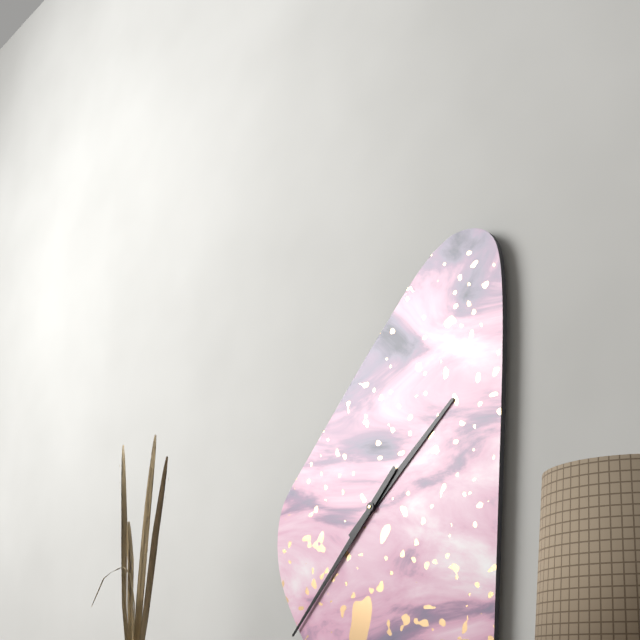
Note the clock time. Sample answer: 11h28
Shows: 1h37
